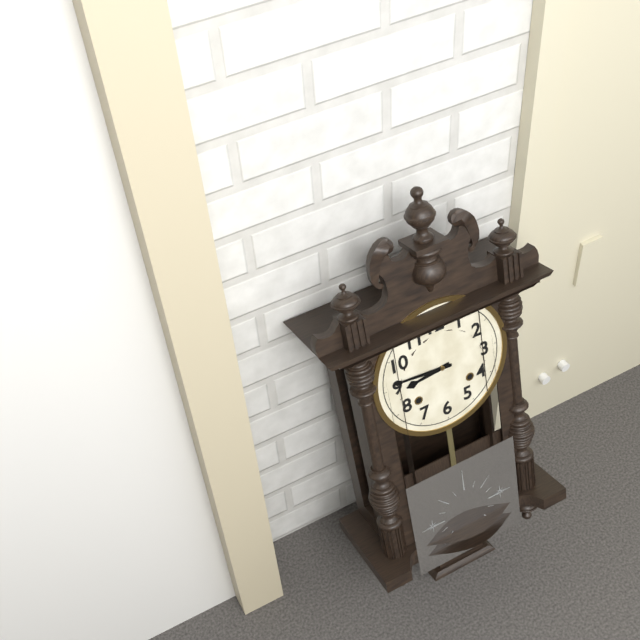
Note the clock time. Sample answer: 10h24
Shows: 8h46
